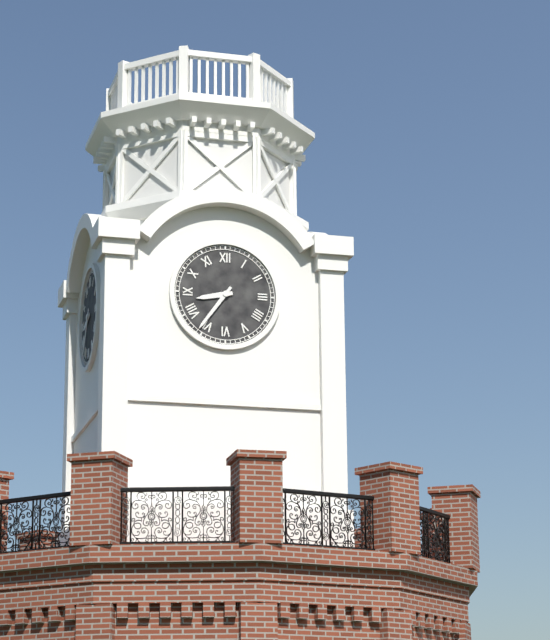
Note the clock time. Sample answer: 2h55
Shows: 8h36
